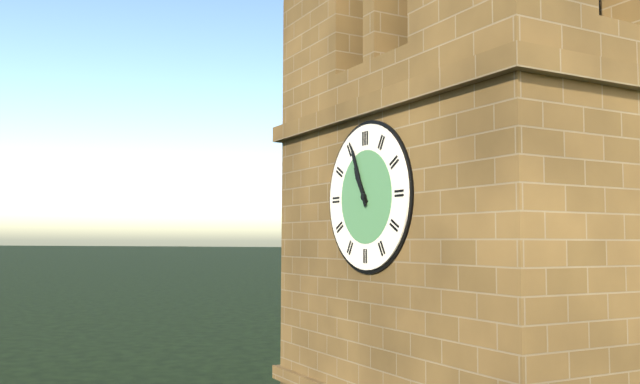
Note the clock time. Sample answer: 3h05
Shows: 10h56
